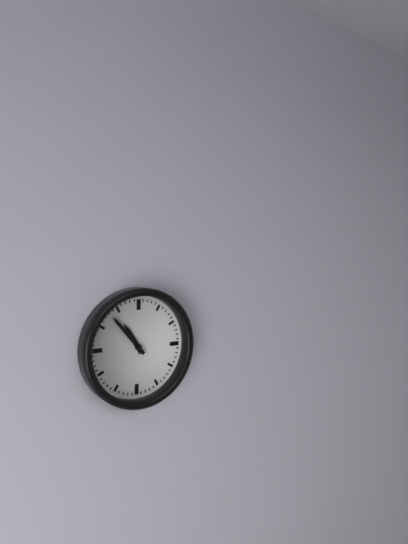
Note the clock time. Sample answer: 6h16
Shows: 10h53
